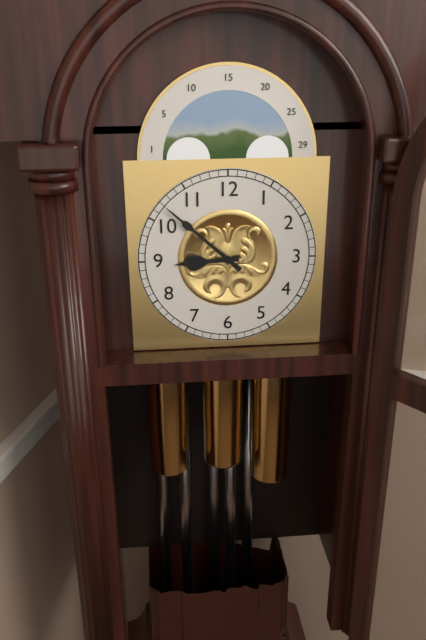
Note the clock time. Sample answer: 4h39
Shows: 8h52
